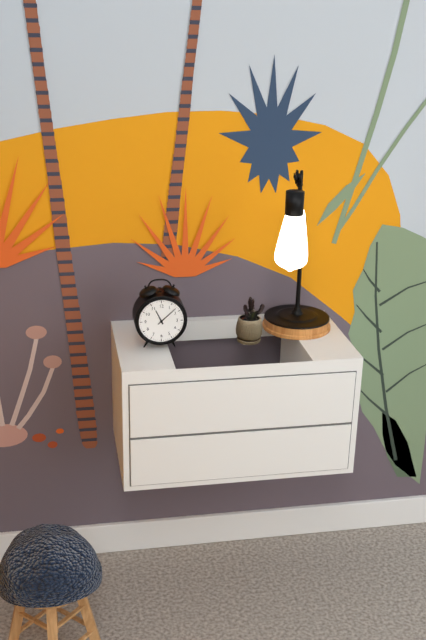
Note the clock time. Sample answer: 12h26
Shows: 11h08
